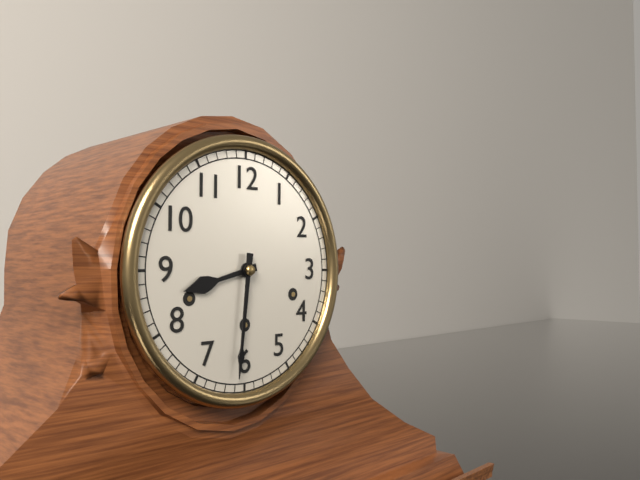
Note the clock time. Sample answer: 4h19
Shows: 8h31
